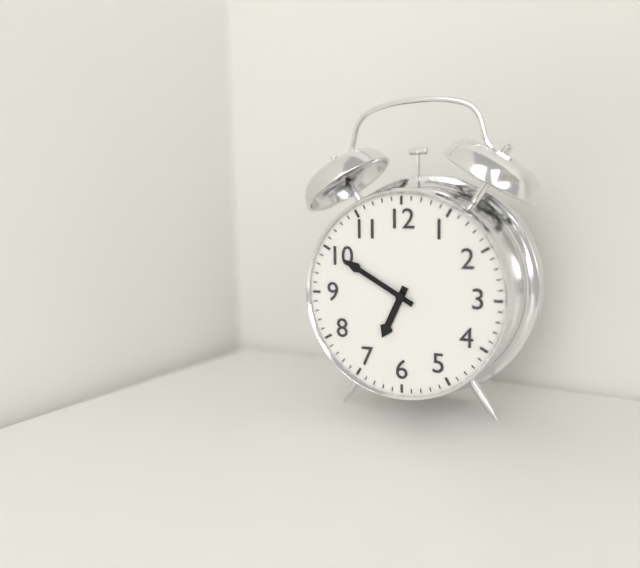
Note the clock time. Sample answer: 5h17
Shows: 6h50
